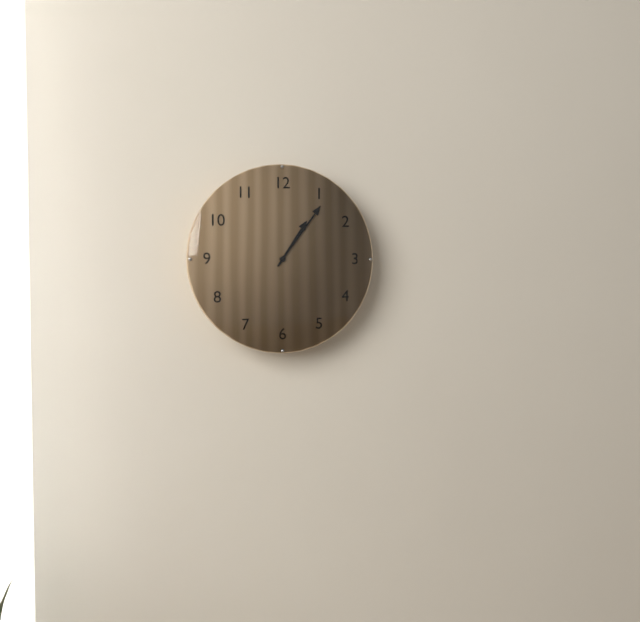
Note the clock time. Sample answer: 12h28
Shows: 1h06
